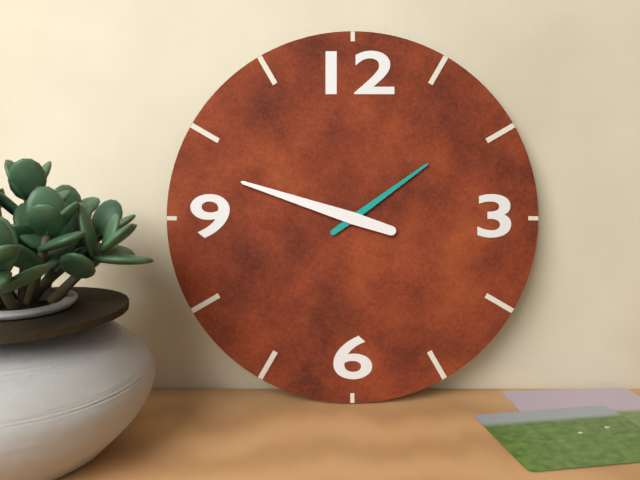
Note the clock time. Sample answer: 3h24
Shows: 1h48
